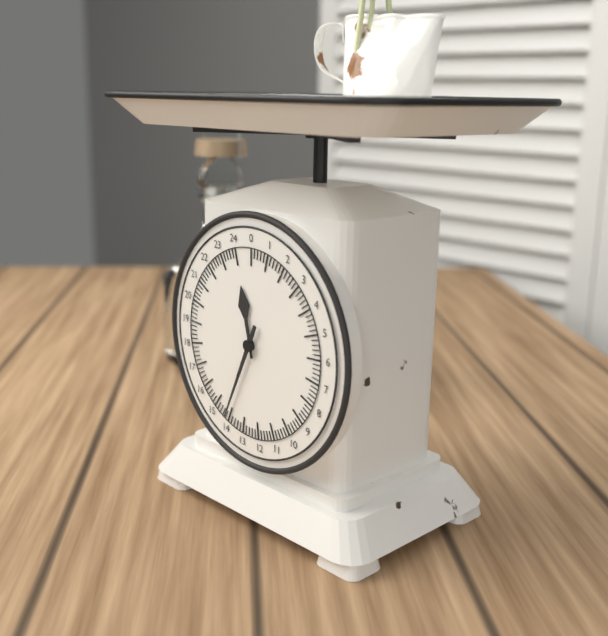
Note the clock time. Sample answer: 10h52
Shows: 11h34
